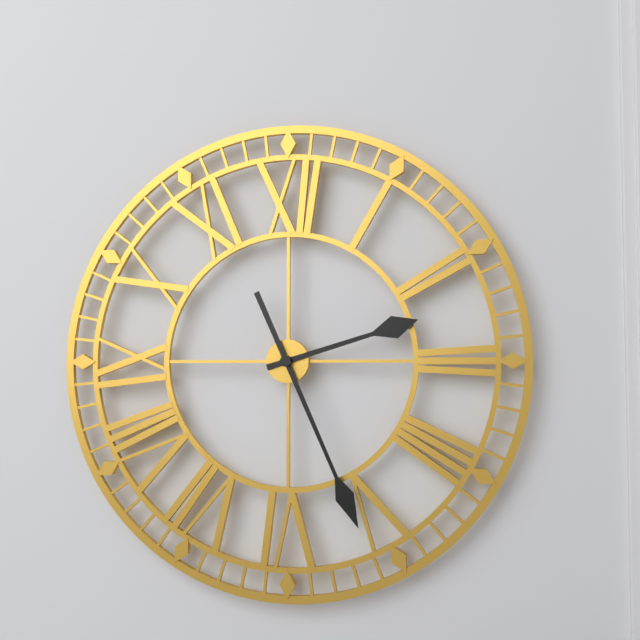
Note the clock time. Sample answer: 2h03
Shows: 2h26
